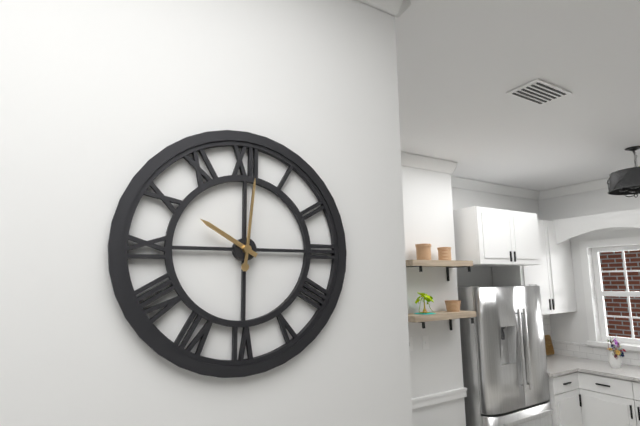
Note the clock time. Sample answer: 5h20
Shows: 10h01
